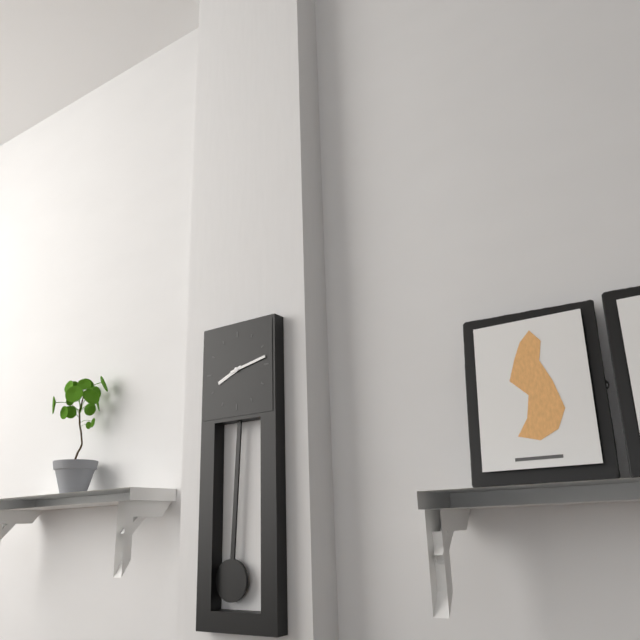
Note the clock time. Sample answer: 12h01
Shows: 8h13
